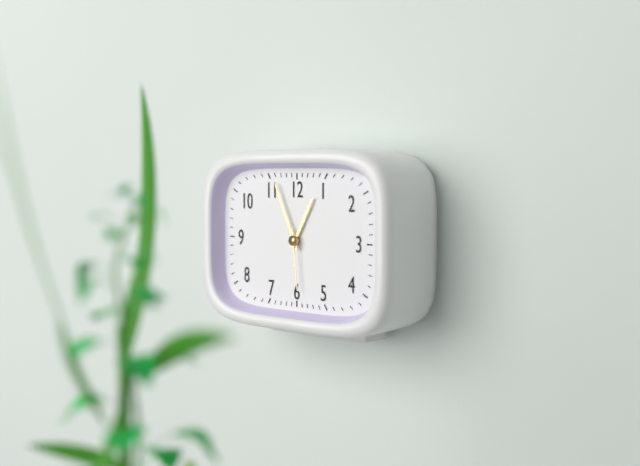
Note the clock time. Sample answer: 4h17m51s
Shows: 12h56m29s
